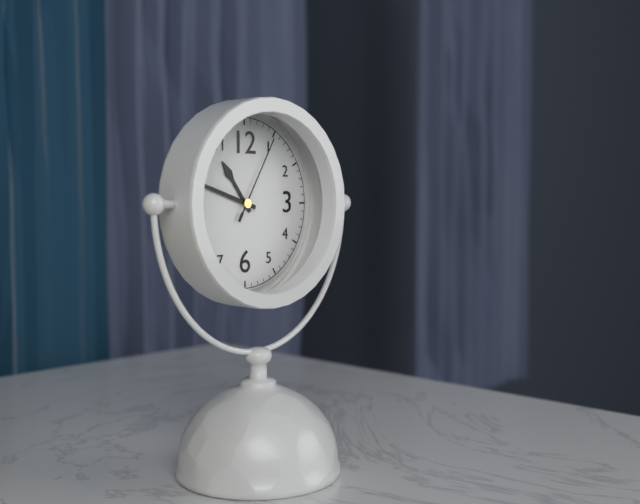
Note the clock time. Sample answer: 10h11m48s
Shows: 10h48m05s
